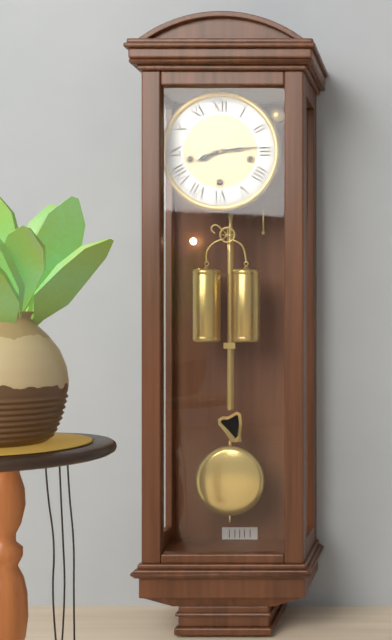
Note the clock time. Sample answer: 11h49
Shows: 8h14
